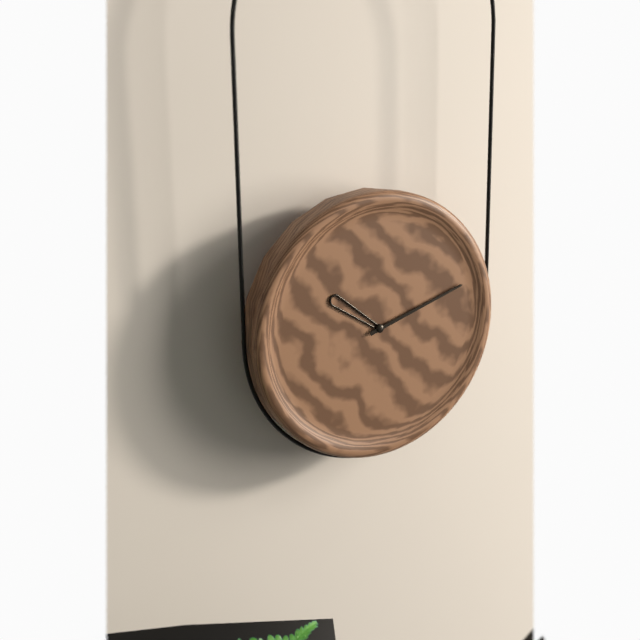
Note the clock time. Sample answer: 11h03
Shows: 10h12
